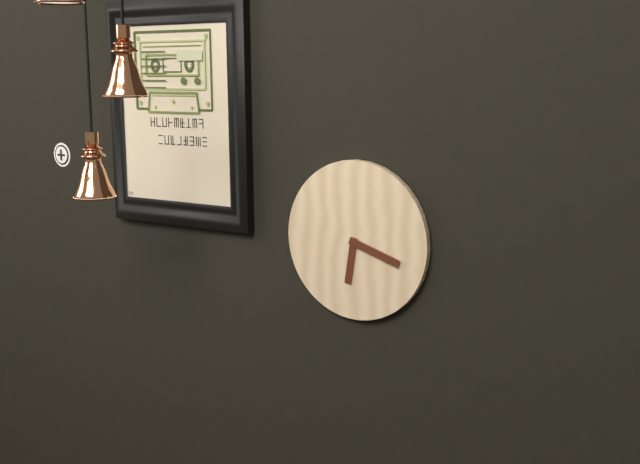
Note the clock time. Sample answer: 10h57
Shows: 6h18
